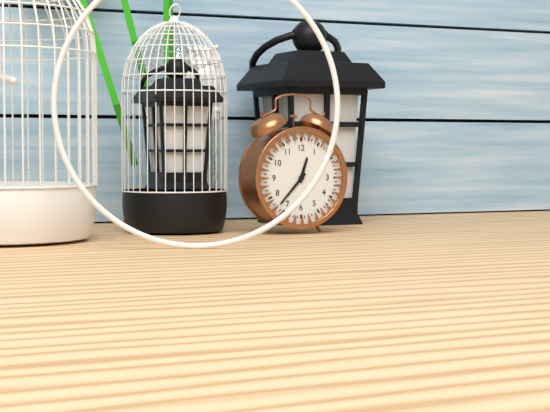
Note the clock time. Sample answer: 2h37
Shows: 12h37
